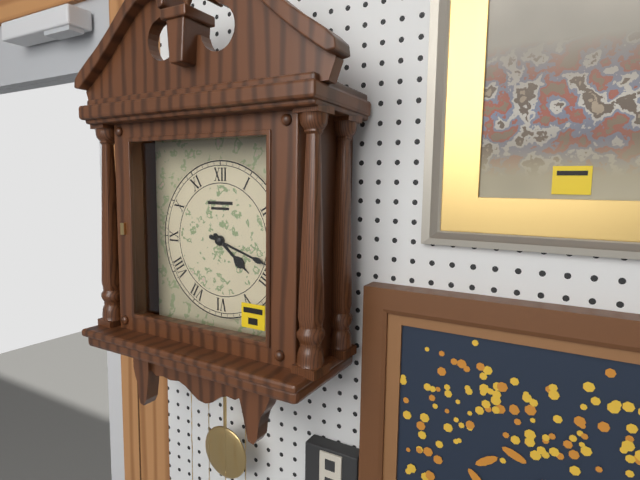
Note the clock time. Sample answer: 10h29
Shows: 4h18
